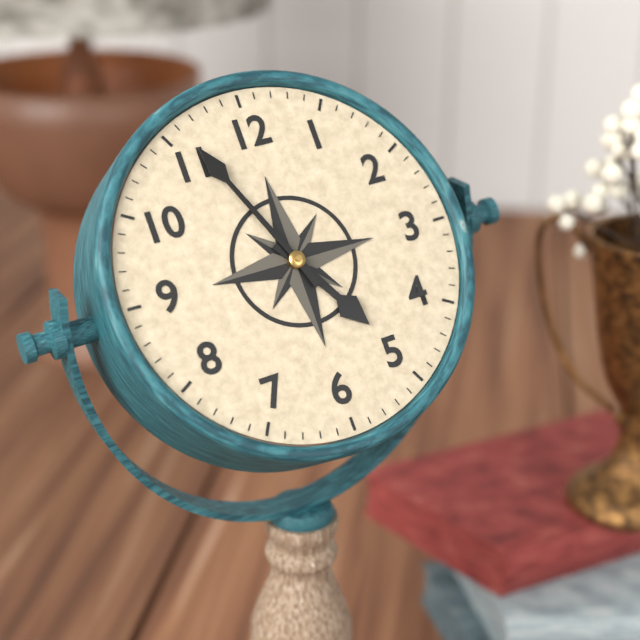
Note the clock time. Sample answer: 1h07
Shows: 4h56
